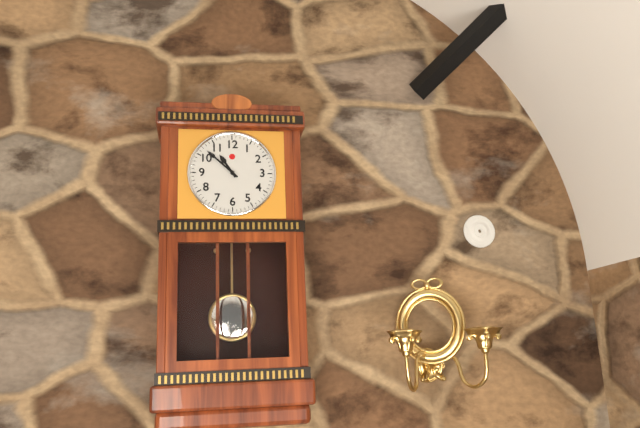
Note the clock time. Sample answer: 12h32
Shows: 10h52
